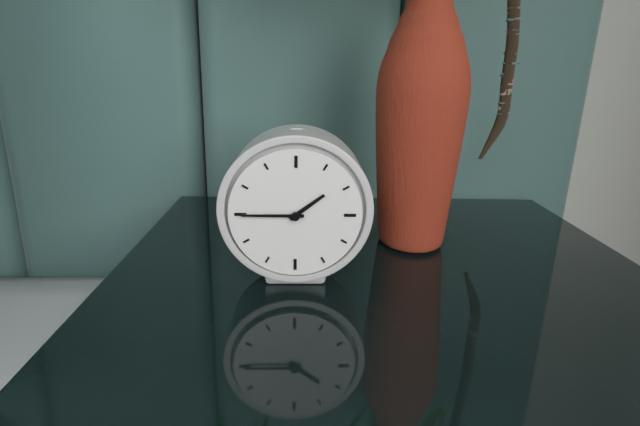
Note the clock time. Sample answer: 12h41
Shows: 1h45
